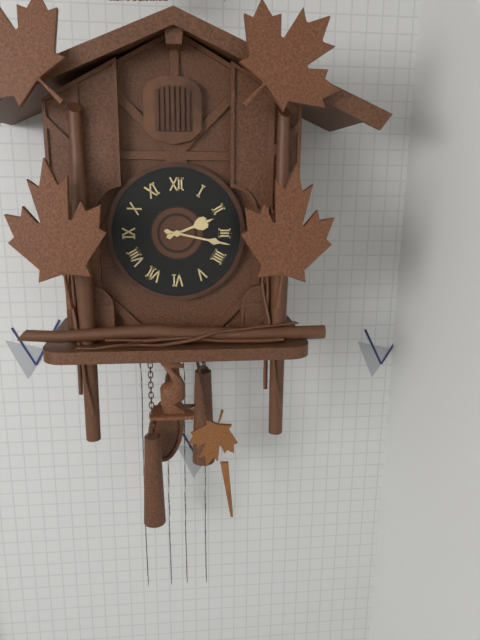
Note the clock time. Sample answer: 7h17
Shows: 2h17
